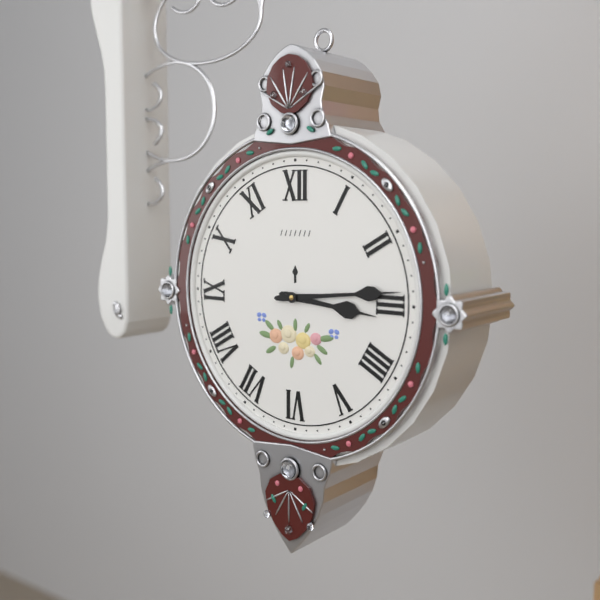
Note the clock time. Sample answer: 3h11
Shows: 3h14
